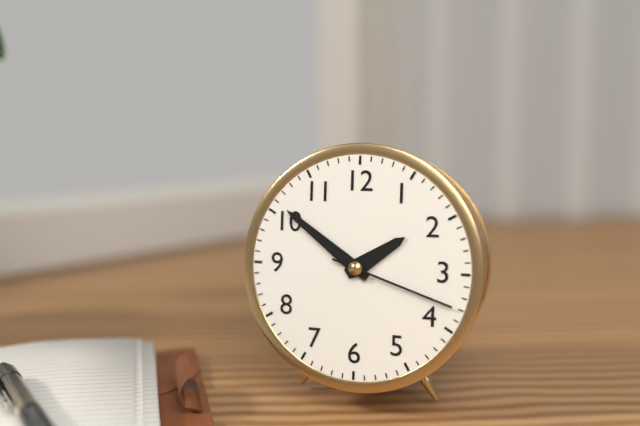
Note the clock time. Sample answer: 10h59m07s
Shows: 1h51m18s
